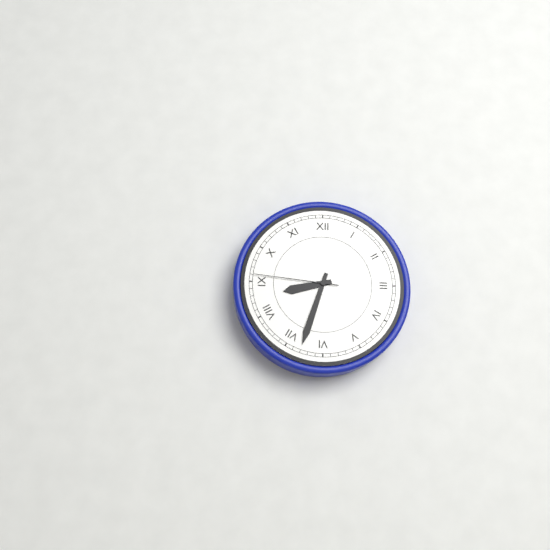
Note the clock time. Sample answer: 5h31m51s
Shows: 8h33m46s
